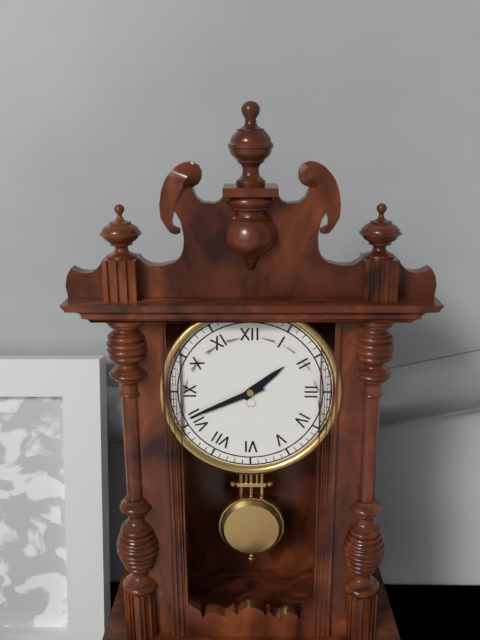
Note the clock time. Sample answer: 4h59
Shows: 1h41
